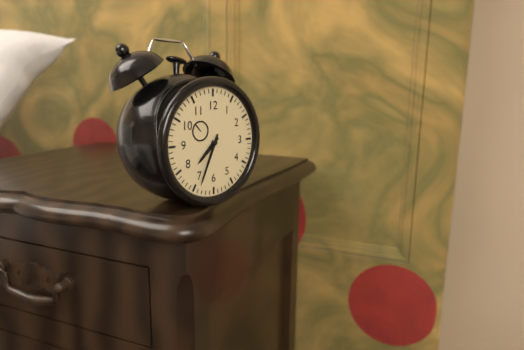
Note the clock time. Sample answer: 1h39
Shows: 7h34
